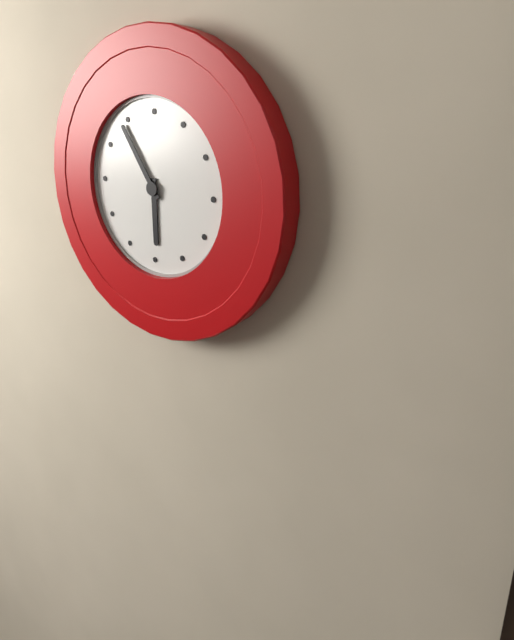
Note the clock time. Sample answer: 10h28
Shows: 5h54
